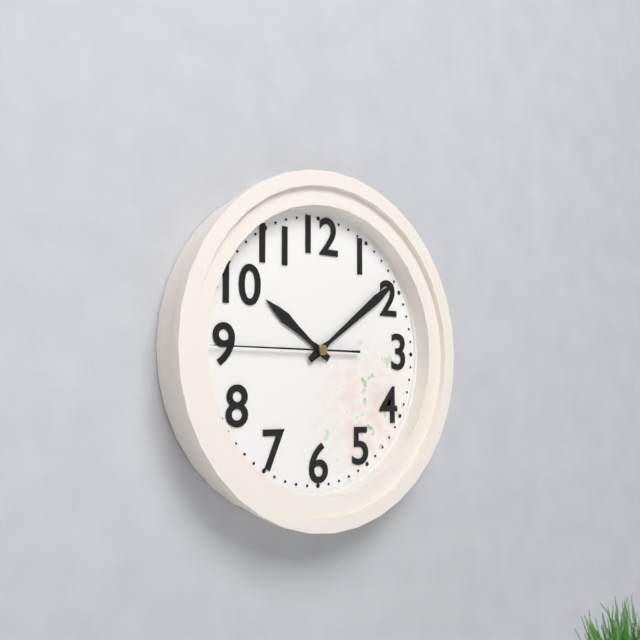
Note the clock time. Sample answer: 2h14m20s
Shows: 10h09m45s
